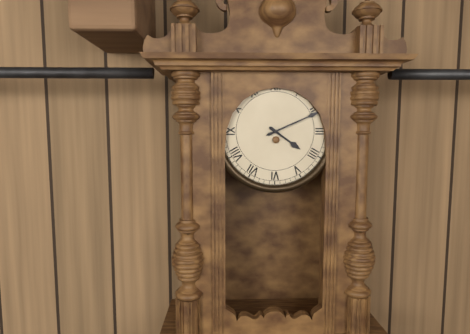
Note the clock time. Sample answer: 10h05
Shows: 4h11
